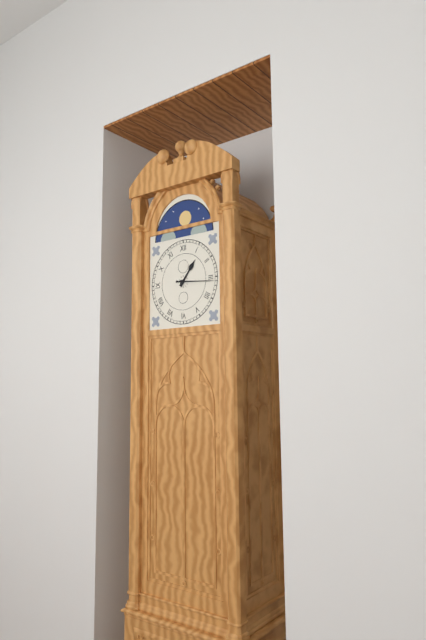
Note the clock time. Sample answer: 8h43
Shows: 1h16
